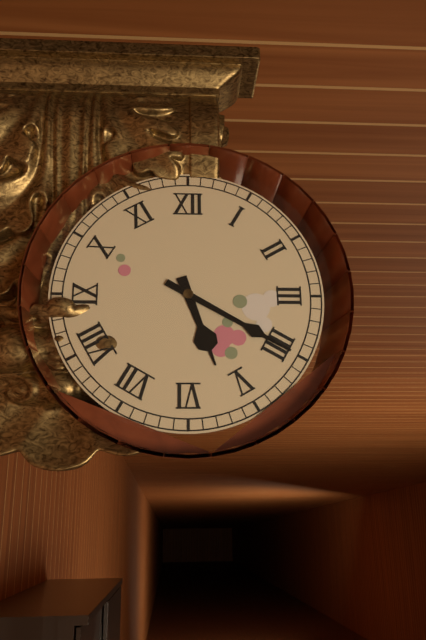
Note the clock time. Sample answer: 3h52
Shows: 5h20
